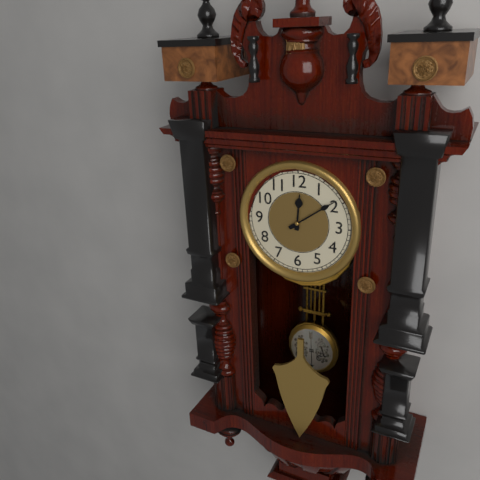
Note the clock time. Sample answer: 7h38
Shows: 12h09
